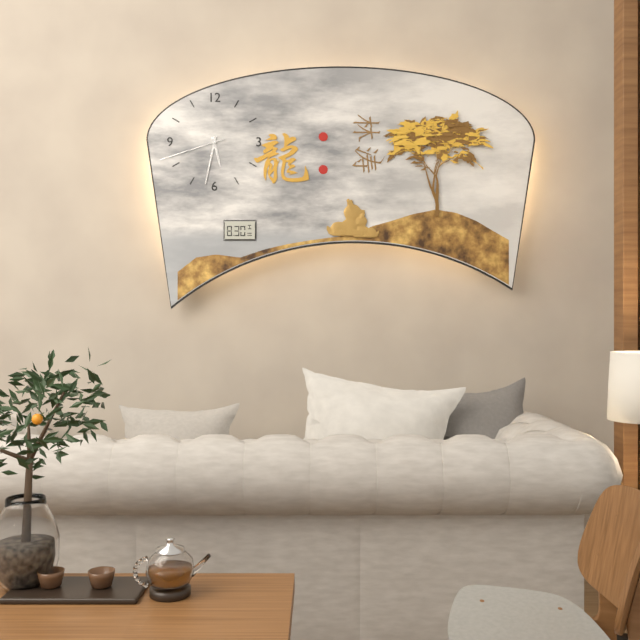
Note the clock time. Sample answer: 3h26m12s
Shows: 5h32m42s
